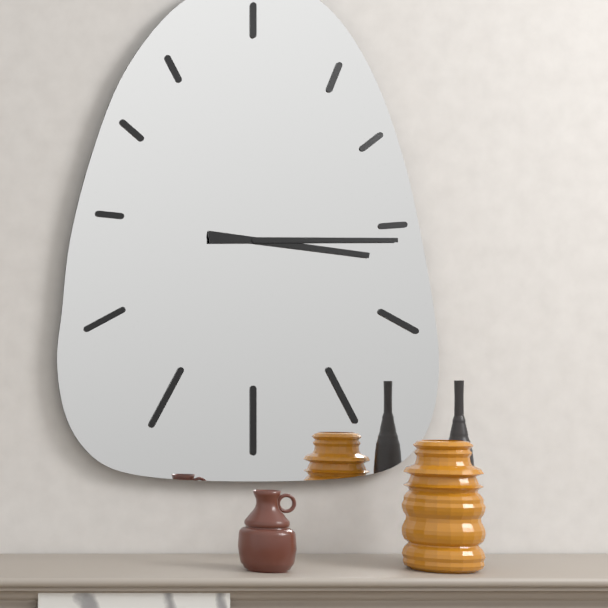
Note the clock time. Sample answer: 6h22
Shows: 3h15
